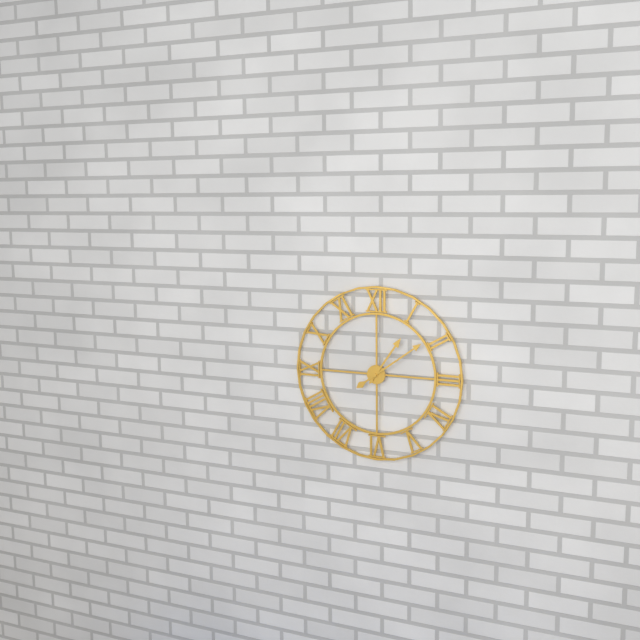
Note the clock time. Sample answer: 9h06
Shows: 1h09
